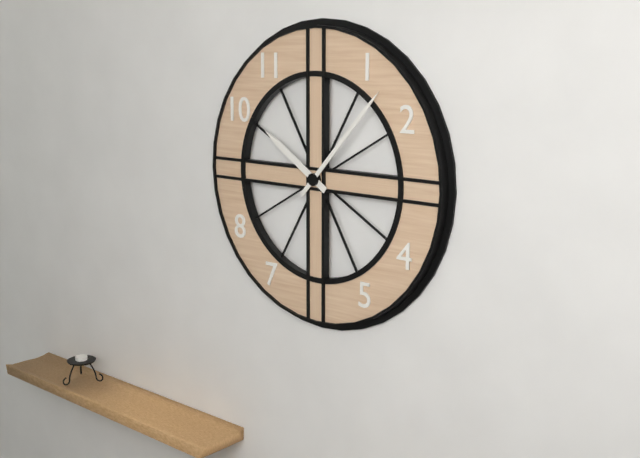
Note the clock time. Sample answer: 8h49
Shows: 10h07
